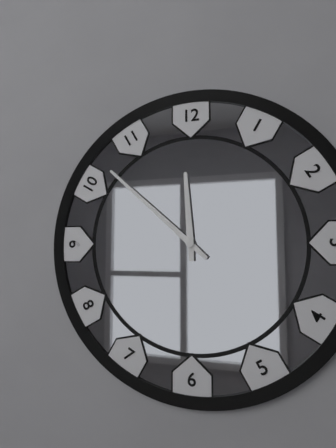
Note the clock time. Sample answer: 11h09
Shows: 11h52
